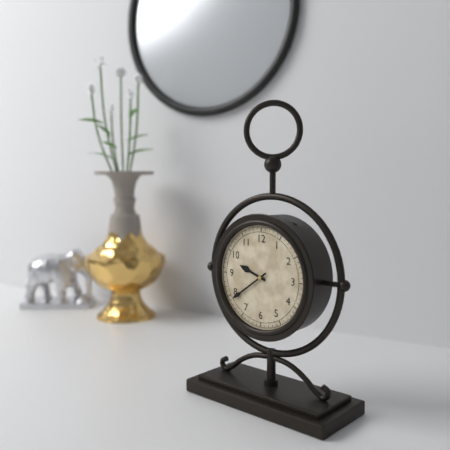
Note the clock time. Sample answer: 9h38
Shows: 9h39
